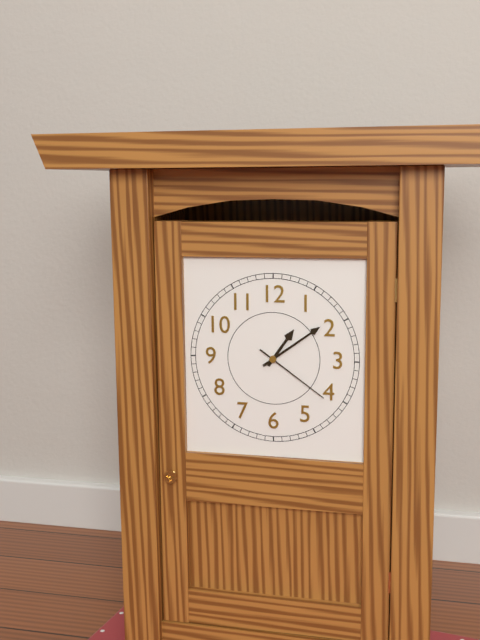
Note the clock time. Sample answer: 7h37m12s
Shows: 1h09m21s
